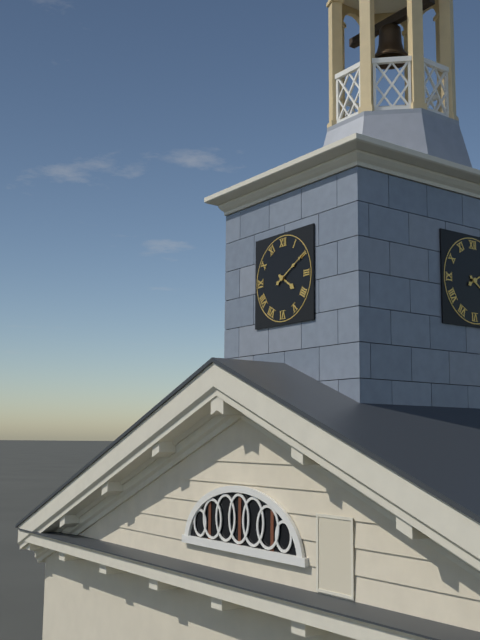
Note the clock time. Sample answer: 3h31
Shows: 4h10
